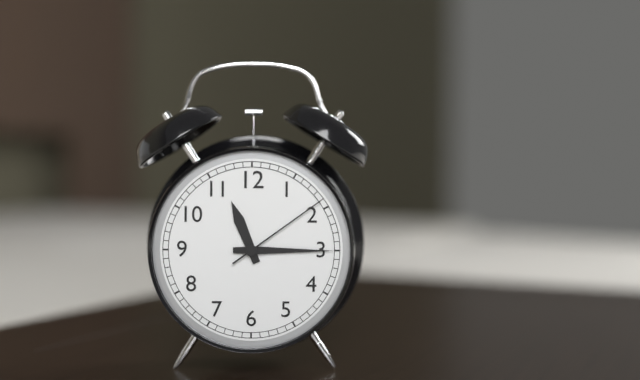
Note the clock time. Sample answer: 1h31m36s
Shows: 11h15m09s
